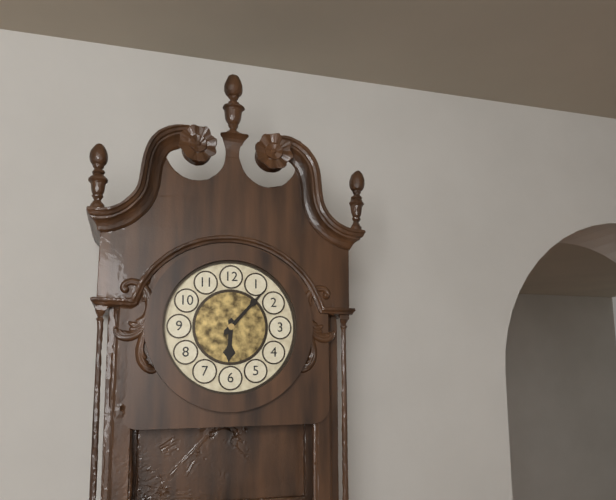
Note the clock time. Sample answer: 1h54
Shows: 6h07
